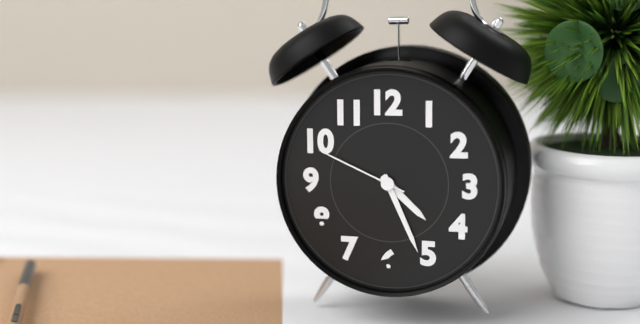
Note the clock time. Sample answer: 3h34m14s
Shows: 4h26m49s
